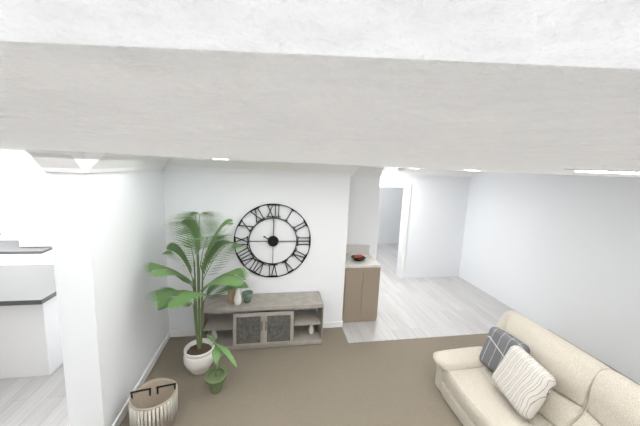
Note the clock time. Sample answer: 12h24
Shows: 10h00
